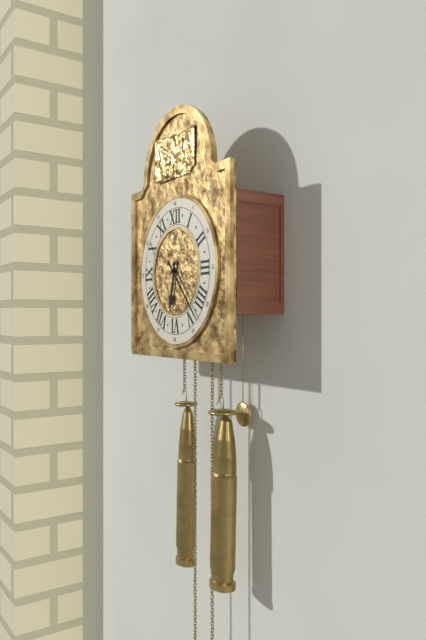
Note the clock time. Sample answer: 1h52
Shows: 6h23
